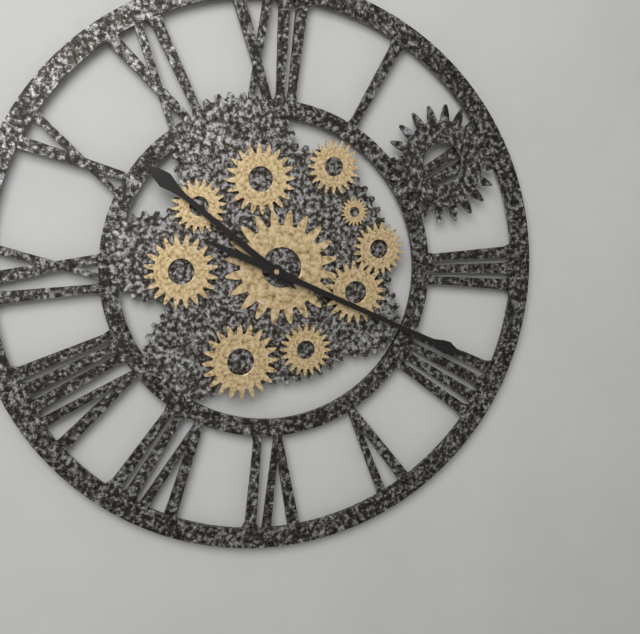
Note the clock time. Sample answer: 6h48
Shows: 10h19
